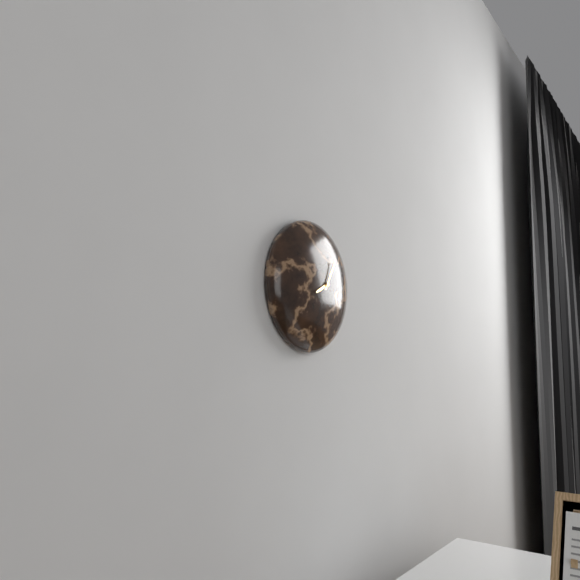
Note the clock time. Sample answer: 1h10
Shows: 8h05
